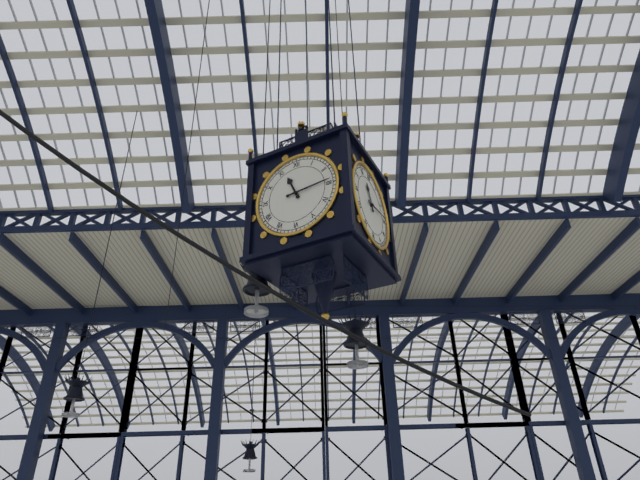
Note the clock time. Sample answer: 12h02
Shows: 11h14
